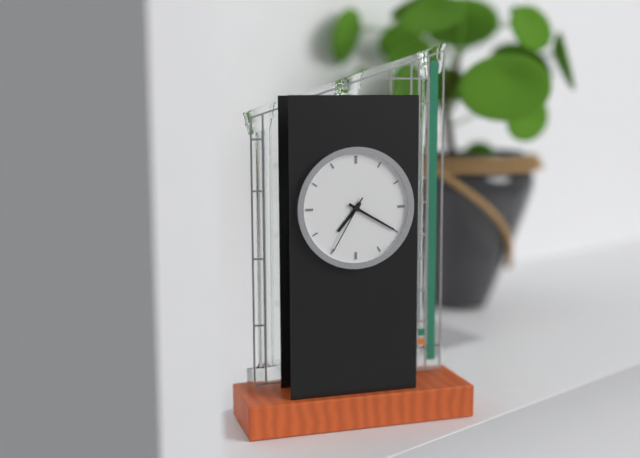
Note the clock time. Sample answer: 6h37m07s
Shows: 7h20m35s
